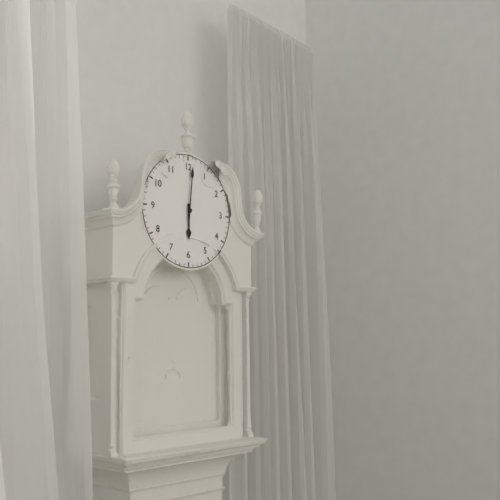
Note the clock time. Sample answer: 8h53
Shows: 6h01
